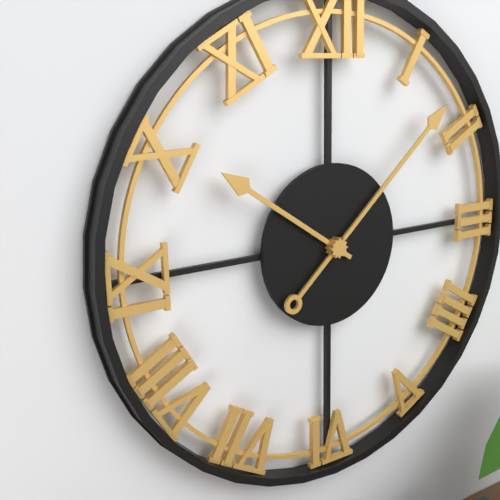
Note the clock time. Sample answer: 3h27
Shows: 10h08
